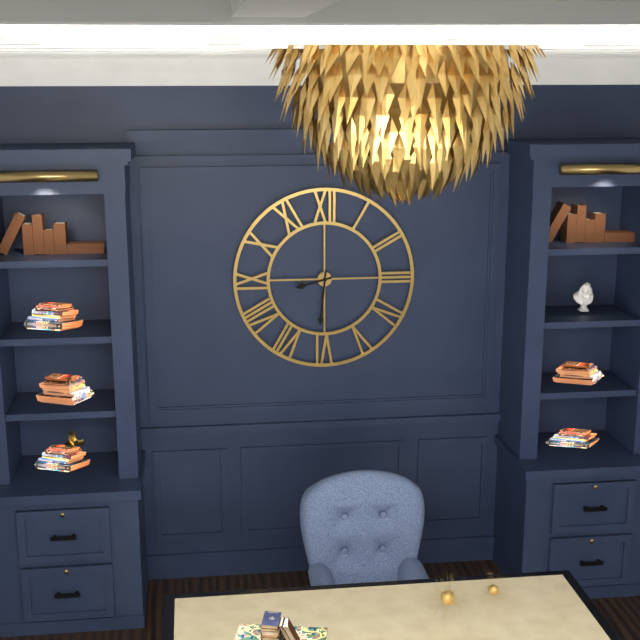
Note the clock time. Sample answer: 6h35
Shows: 8h31
